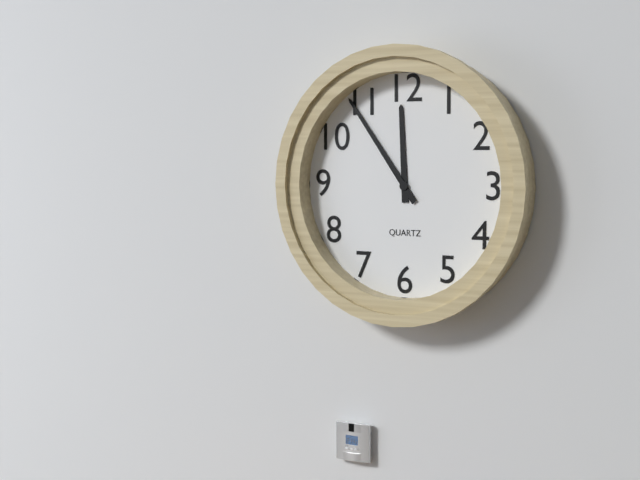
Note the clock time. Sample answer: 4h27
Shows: 11h54
